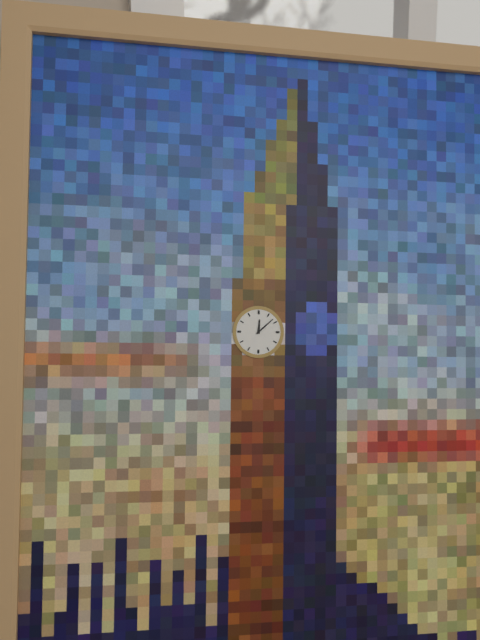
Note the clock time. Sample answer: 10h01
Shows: 12h08
